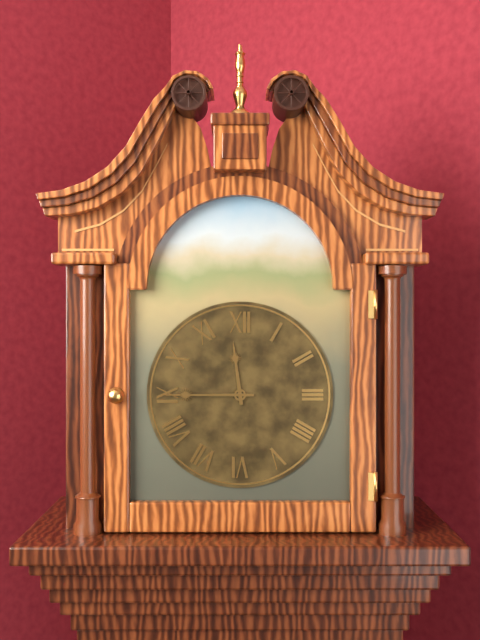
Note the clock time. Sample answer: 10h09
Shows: 11h45
